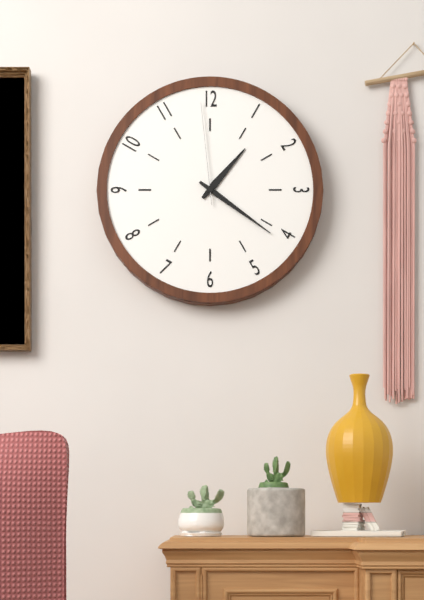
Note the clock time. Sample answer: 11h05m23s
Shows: 1h21m59s
